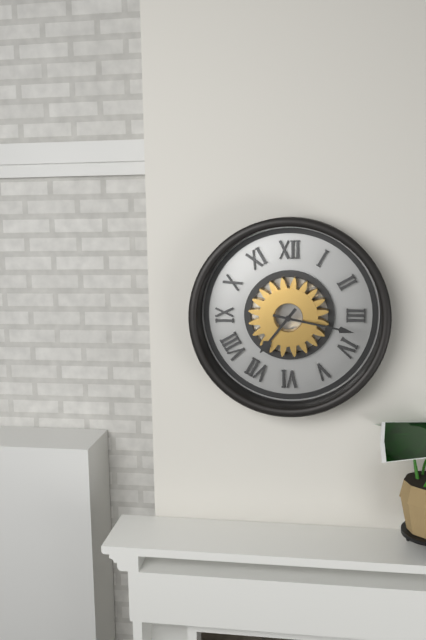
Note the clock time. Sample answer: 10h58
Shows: 7h17
